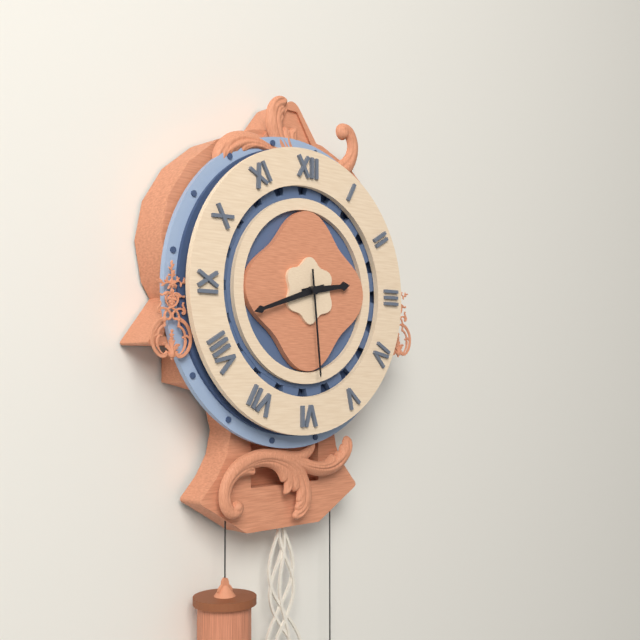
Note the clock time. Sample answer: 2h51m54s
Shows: 2h42m29s
